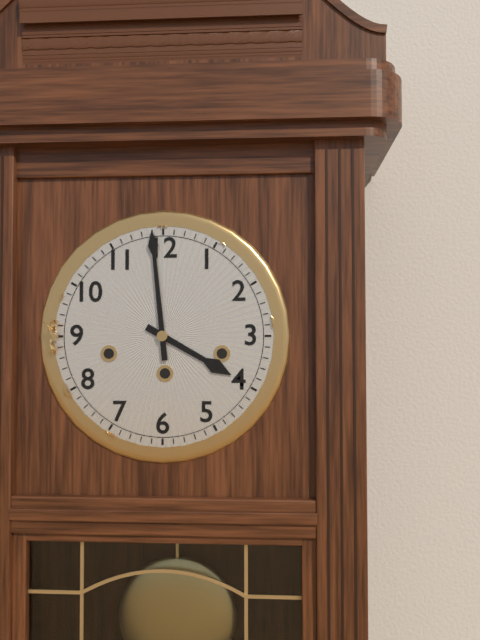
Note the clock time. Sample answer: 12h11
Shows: 3h59
